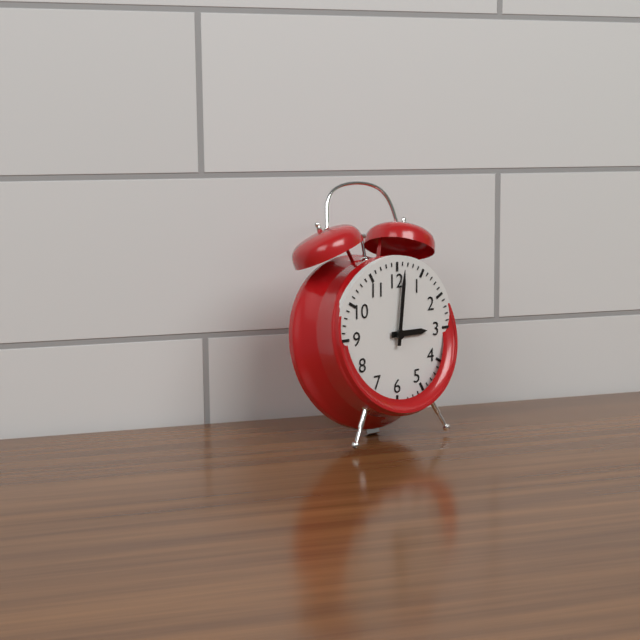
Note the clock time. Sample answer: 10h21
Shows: 3h01
